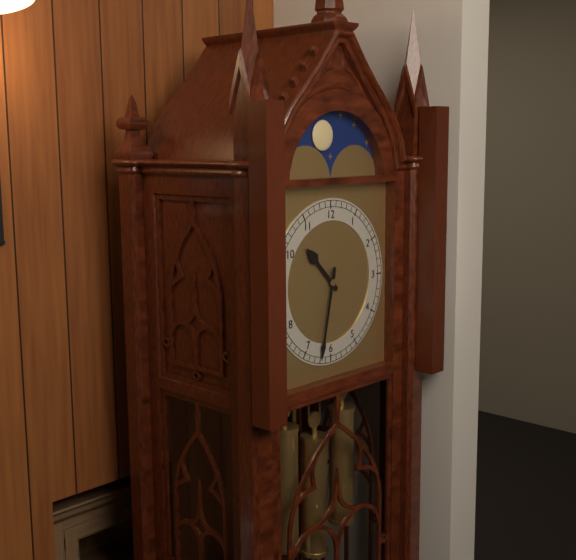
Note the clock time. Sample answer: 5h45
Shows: 10h32
